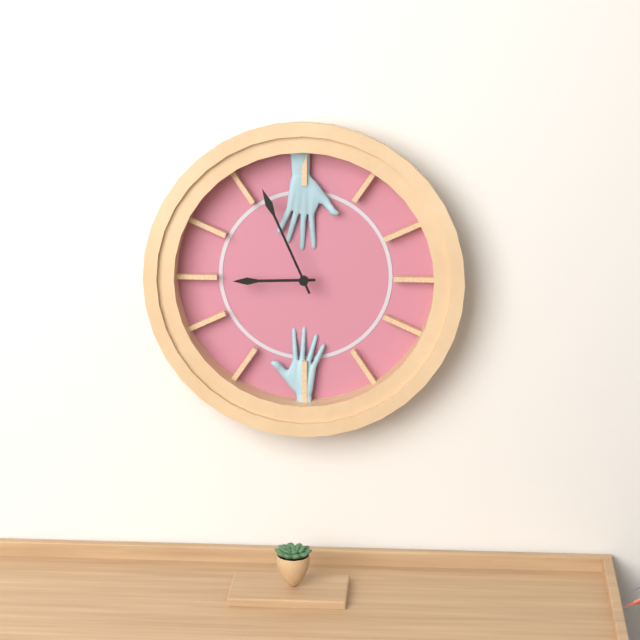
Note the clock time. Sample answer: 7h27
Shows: 8h56
